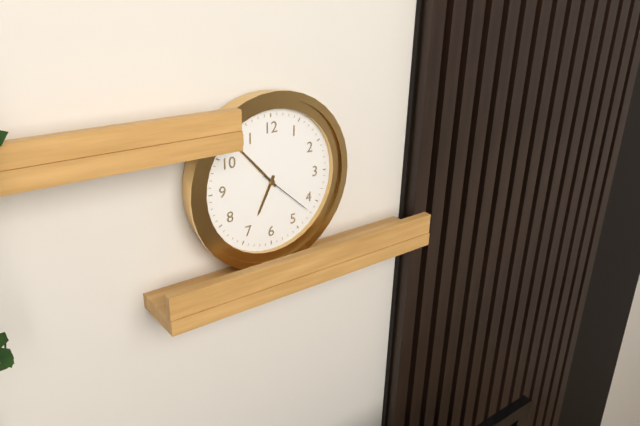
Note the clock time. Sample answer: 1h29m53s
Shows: 6h53m22s
